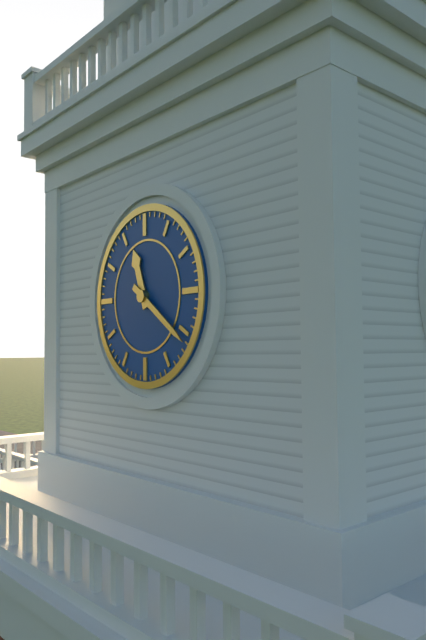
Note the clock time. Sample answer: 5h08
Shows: 11h21
